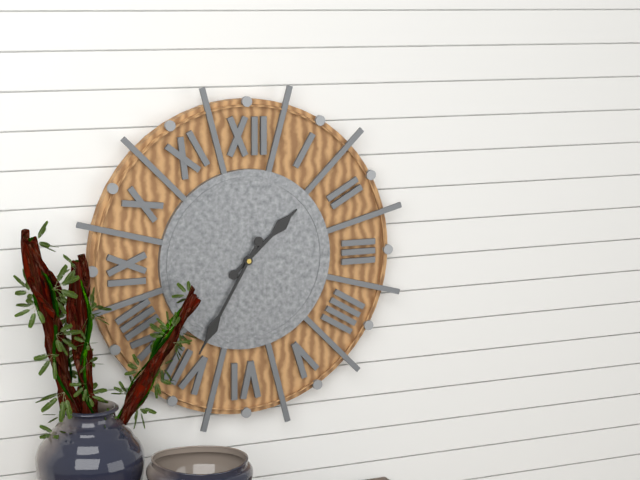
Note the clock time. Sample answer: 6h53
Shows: 1h35
